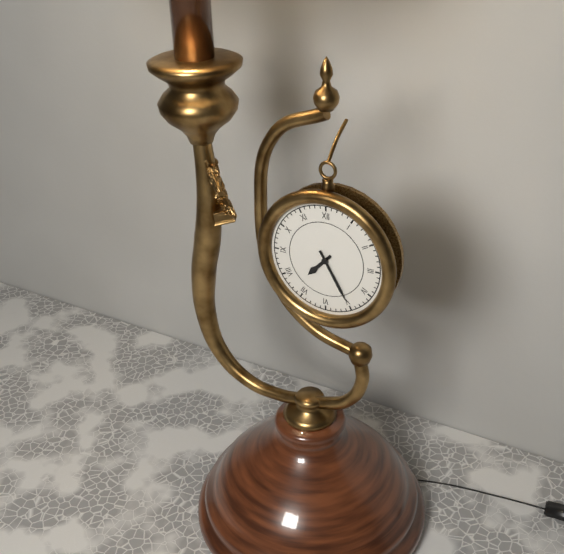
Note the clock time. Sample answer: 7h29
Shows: 7h25
